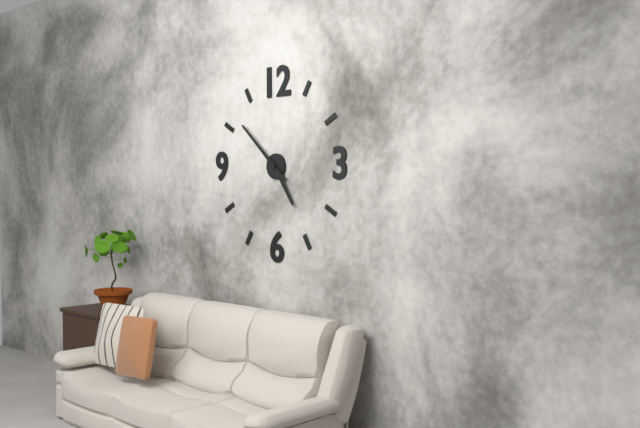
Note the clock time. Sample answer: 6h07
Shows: 4h52
